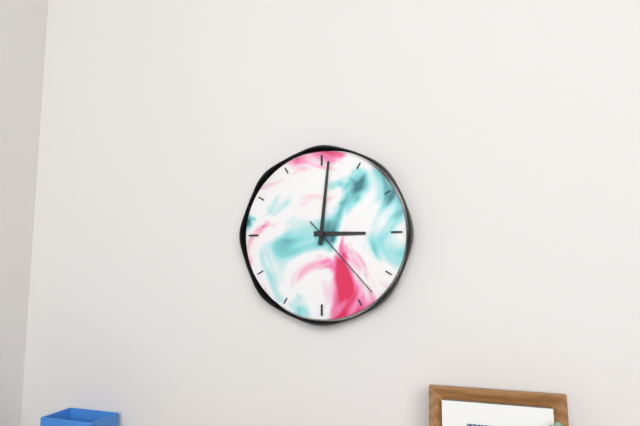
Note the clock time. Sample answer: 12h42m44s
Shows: 3h01m23s
